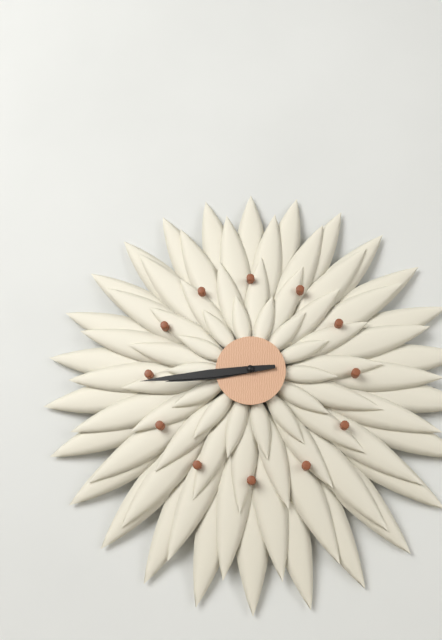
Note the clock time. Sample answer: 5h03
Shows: 8h44
